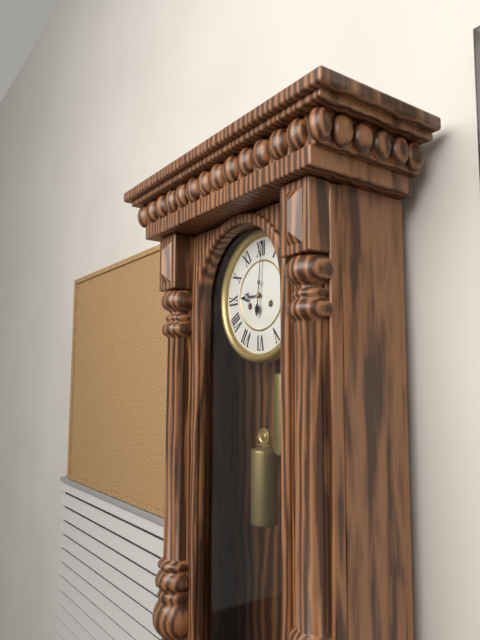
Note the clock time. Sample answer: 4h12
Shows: 9h01
